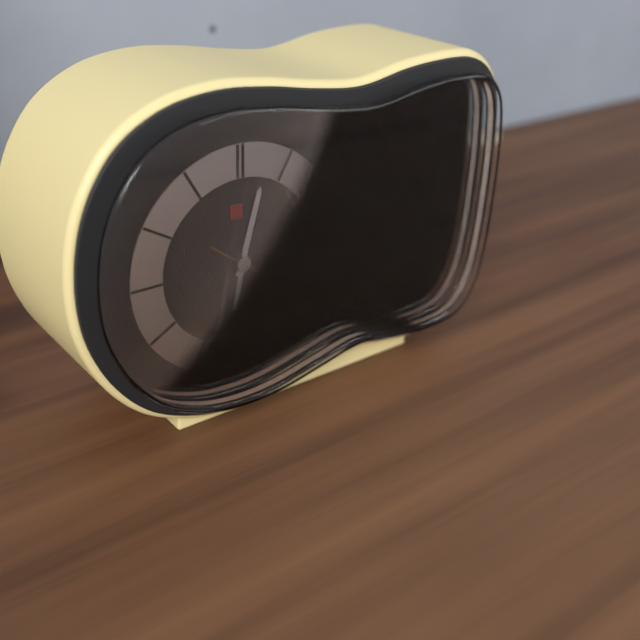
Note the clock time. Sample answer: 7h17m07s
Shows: 12h32m21s
